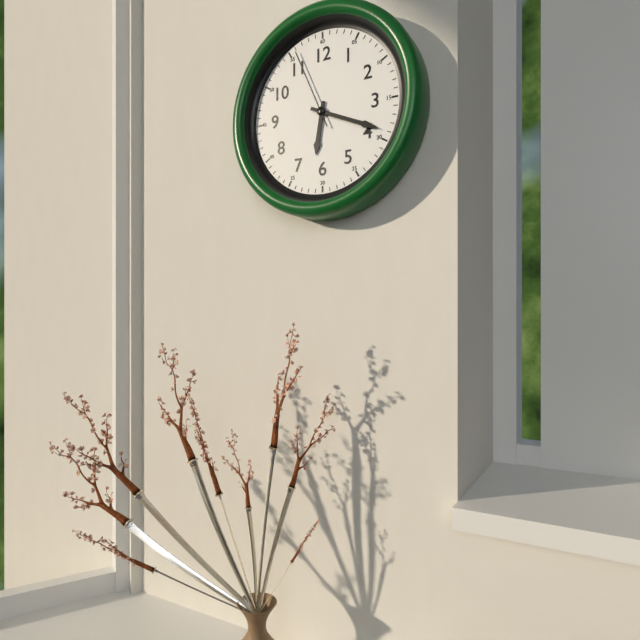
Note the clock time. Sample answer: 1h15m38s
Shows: 6h19m56s
